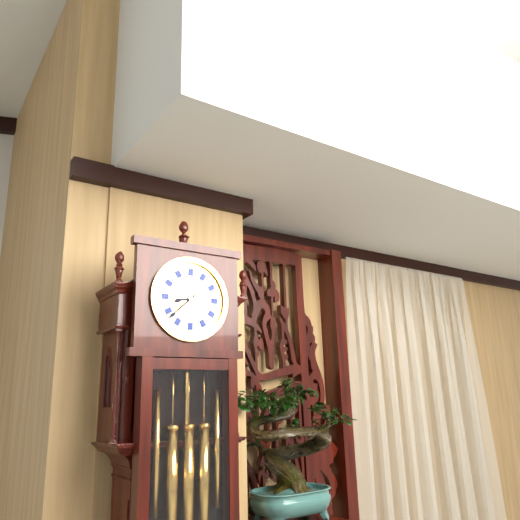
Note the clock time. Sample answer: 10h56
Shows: 8h38
